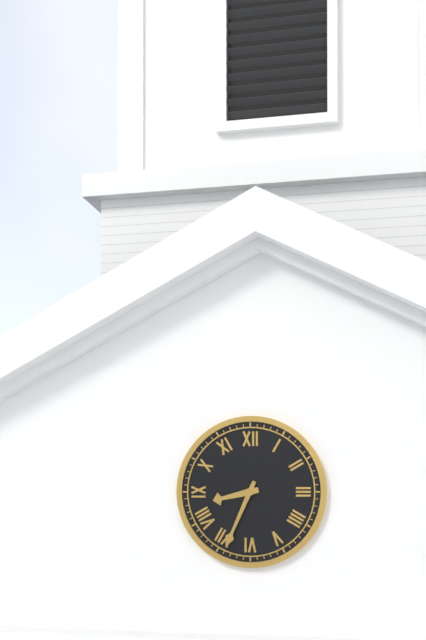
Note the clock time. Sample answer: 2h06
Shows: 8h34
